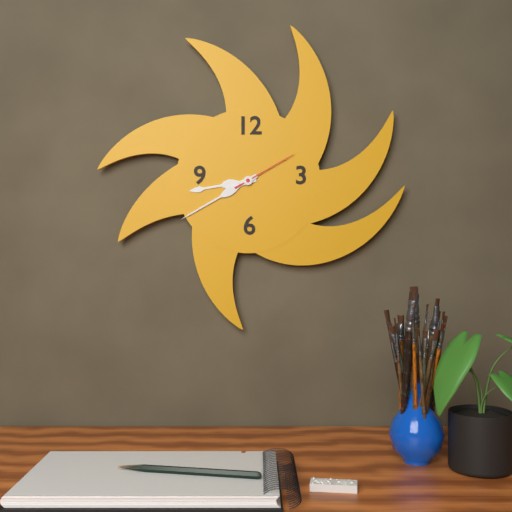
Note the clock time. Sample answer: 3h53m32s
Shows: 8h40m10s
